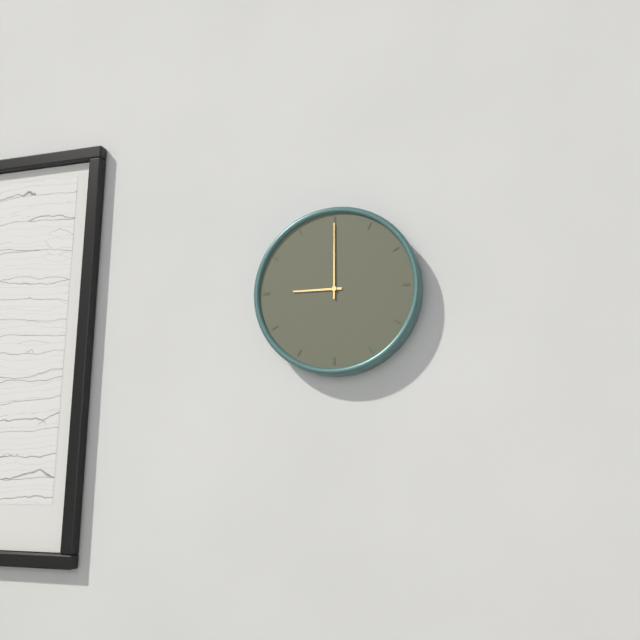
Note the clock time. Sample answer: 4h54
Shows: 9h00
